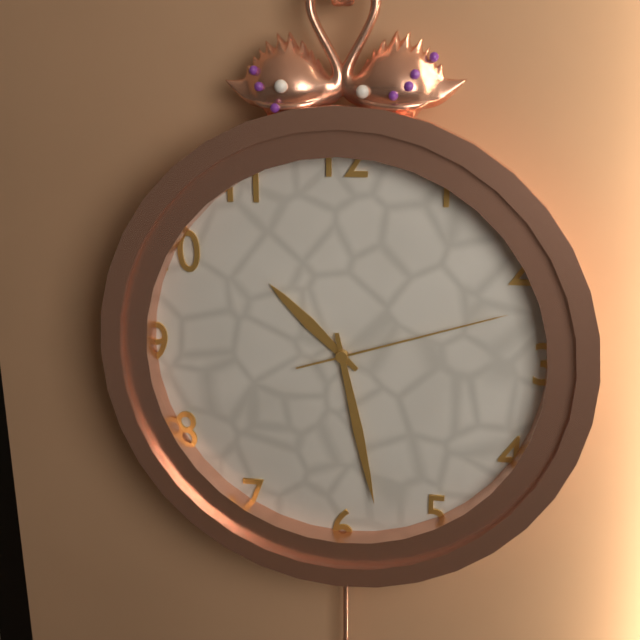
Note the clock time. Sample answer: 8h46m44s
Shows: 10h28m12s
